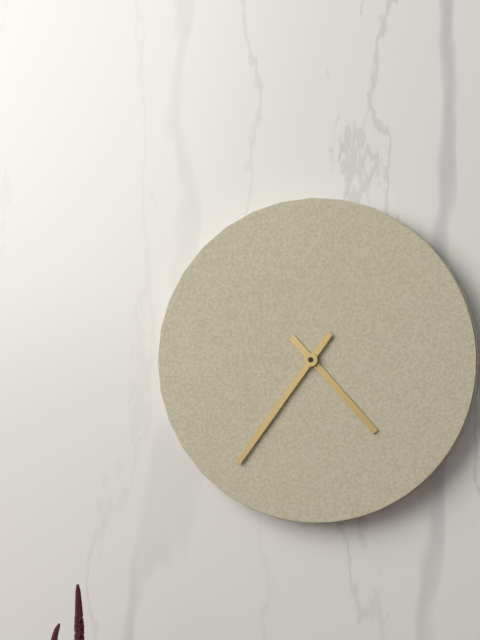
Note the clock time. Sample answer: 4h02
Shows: 4h36
